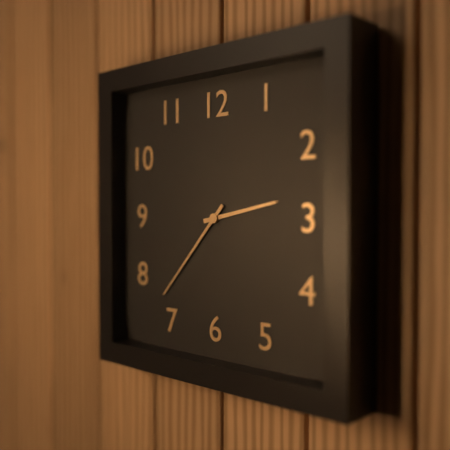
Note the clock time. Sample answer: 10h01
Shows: 2h37
